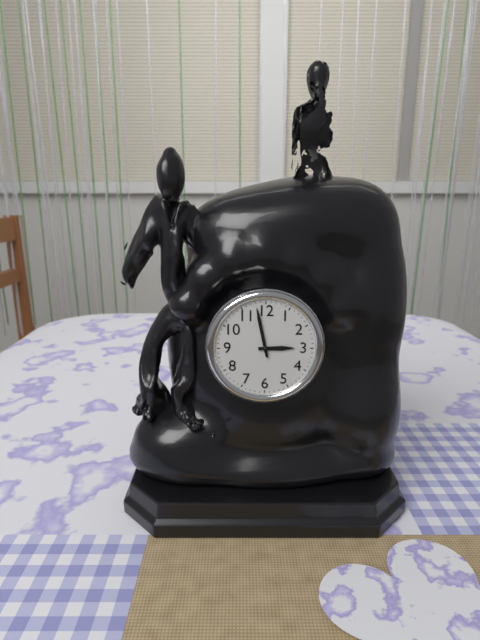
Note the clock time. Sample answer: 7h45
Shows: 2h58
